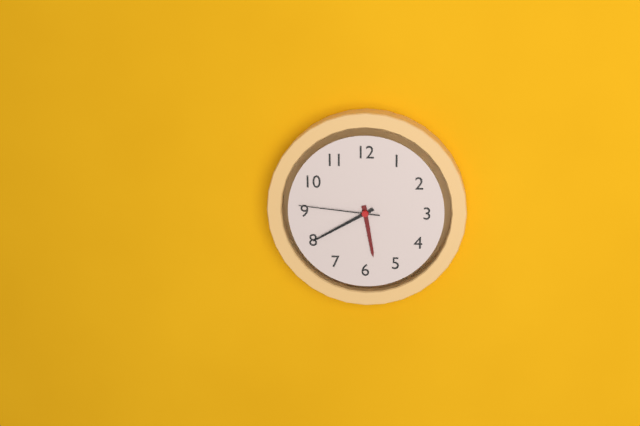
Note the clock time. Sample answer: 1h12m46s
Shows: 5h40m46s
